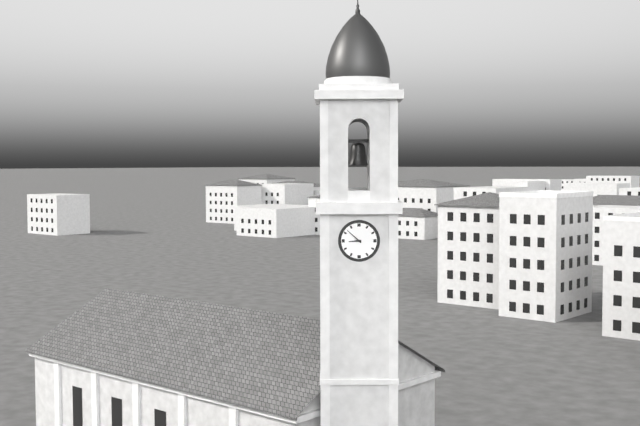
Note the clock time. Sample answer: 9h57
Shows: 8h52
